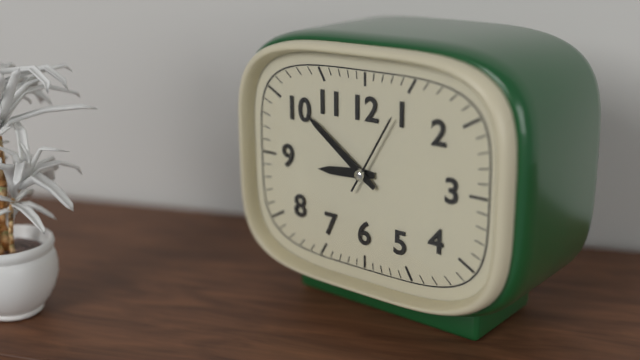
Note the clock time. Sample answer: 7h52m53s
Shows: 8h51m05s
